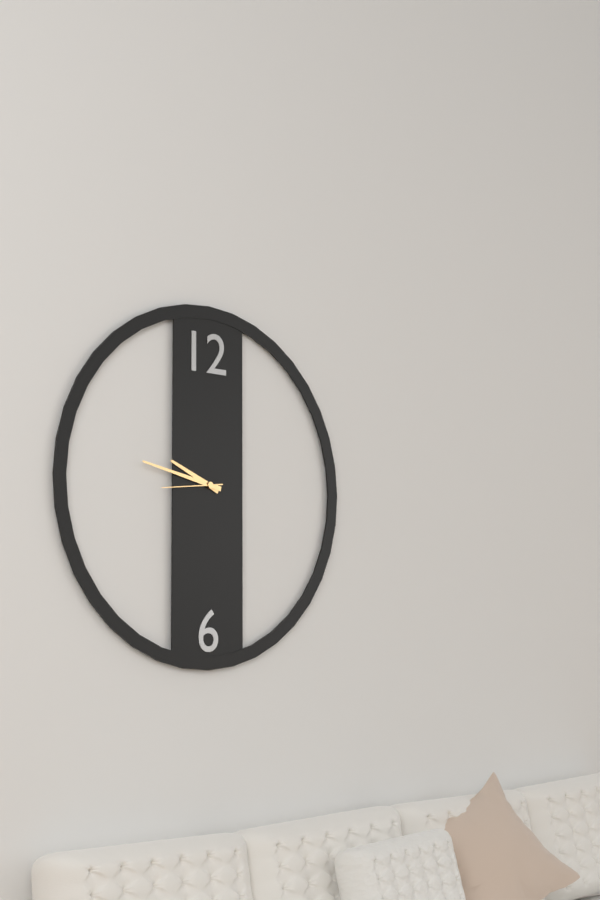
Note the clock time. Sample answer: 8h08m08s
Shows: 9h47m44s
